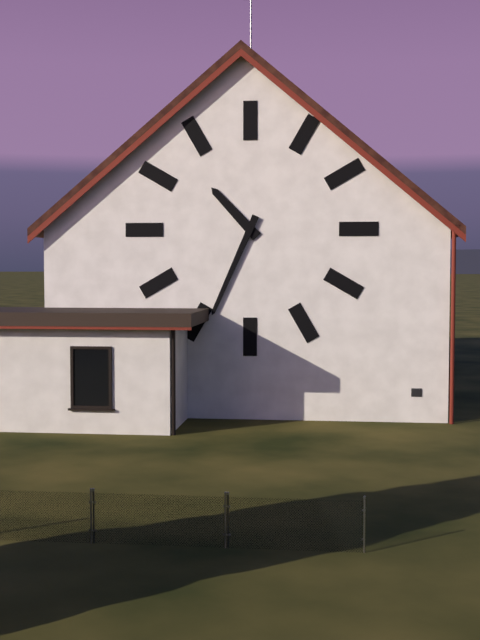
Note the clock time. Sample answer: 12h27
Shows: 10h34
